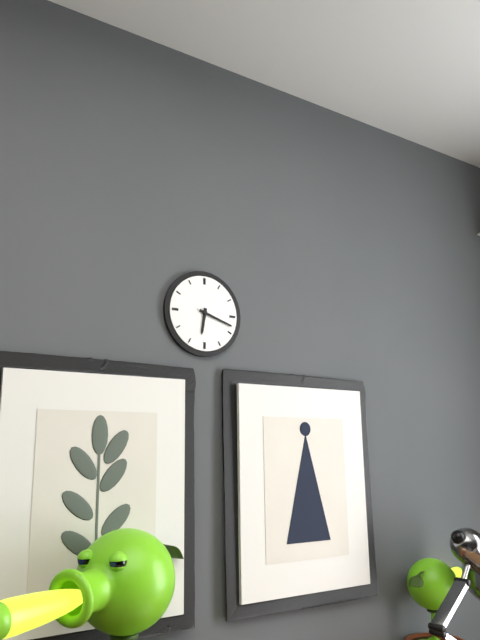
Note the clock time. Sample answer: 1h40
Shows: 6h18
